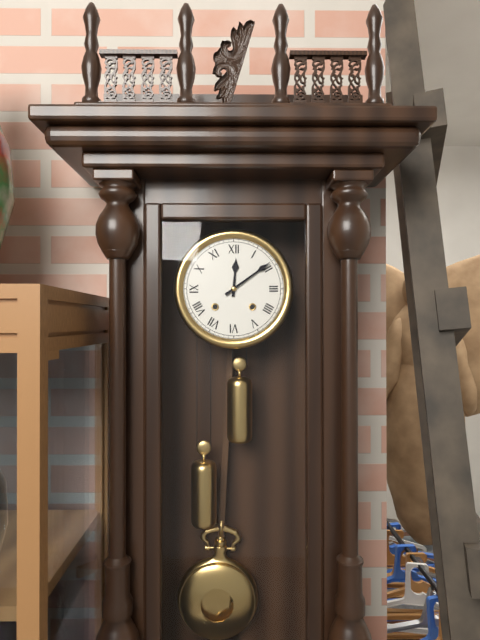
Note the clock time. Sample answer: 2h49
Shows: 12h09
